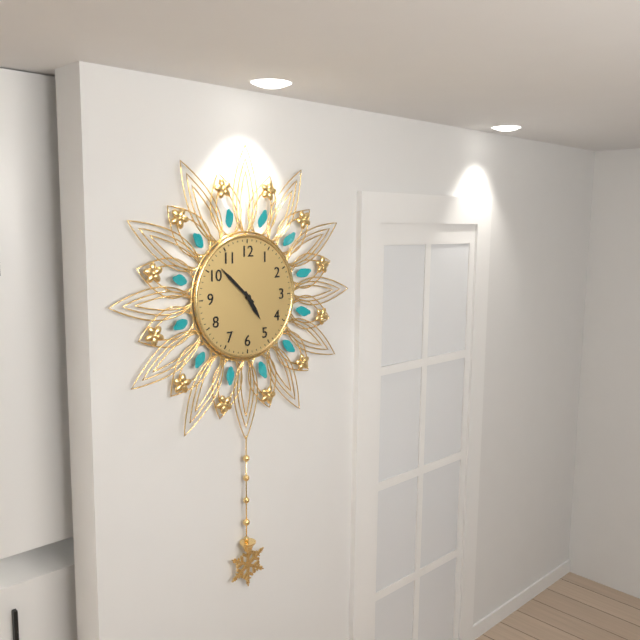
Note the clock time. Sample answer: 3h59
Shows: 4h52
